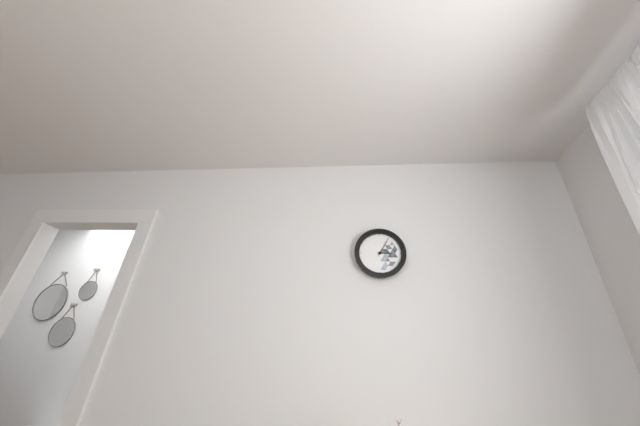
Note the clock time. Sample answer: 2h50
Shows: 3h05
